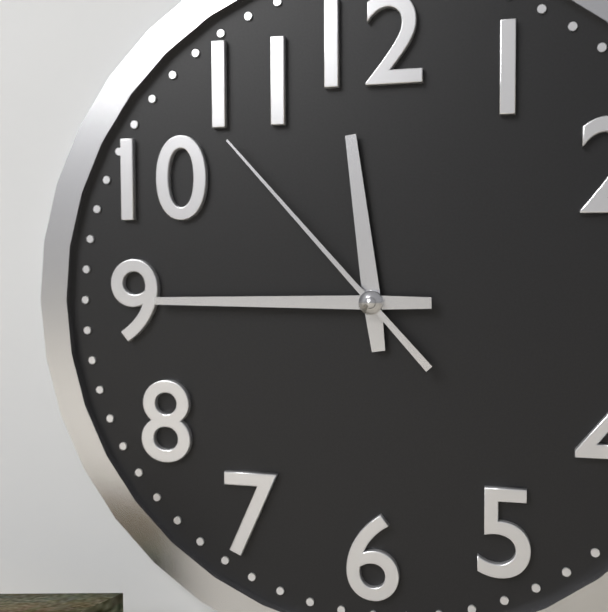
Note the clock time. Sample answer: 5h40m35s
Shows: 11h45m53s
